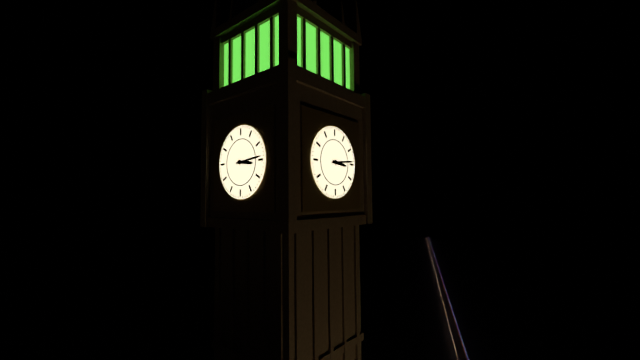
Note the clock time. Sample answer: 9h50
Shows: 3h14
